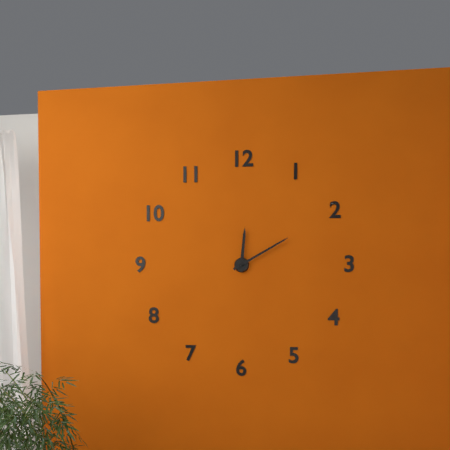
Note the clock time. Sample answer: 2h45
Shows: 12h10
